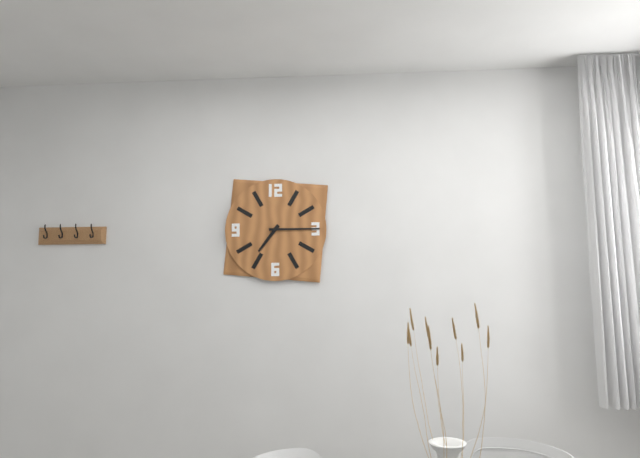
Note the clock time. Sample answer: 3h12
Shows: 7h15
